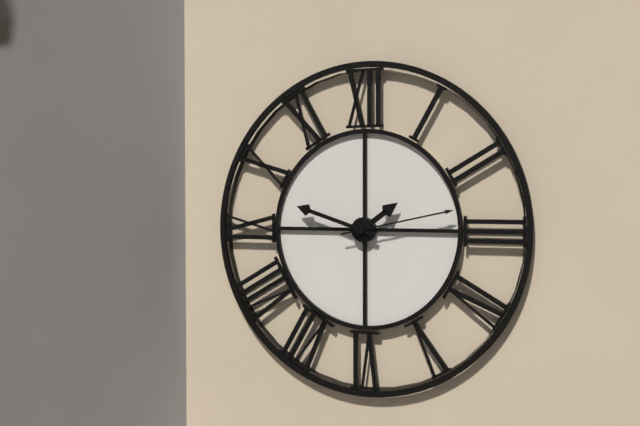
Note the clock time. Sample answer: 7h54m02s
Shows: 1h48m13s
